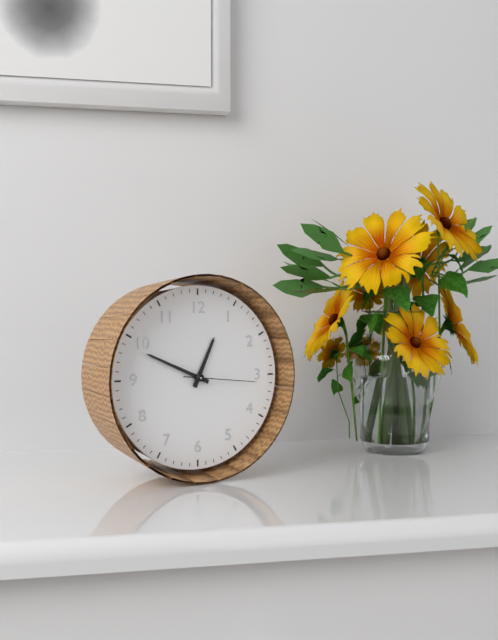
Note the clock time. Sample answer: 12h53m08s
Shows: 12h49m16s
